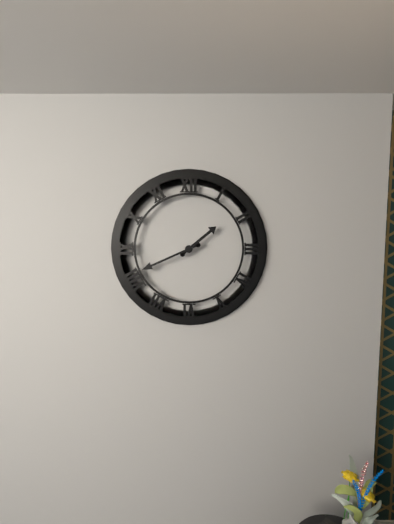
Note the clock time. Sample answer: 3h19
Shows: 1h41
